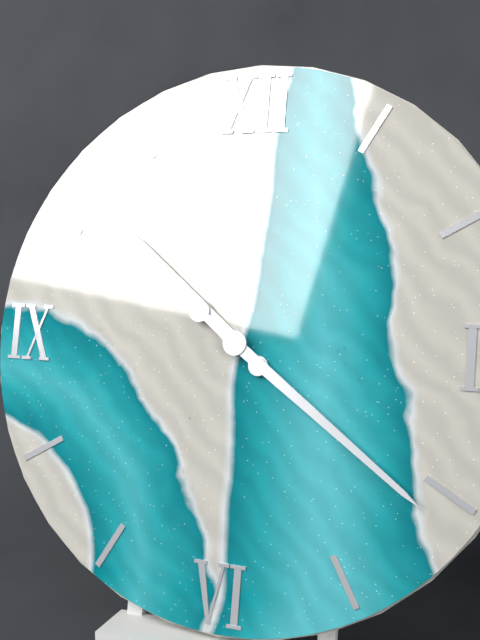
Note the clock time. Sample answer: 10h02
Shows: 10h21
